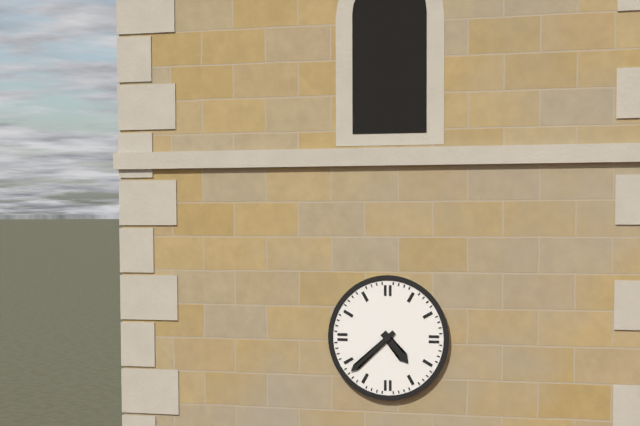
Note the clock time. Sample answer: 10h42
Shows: 4h38
